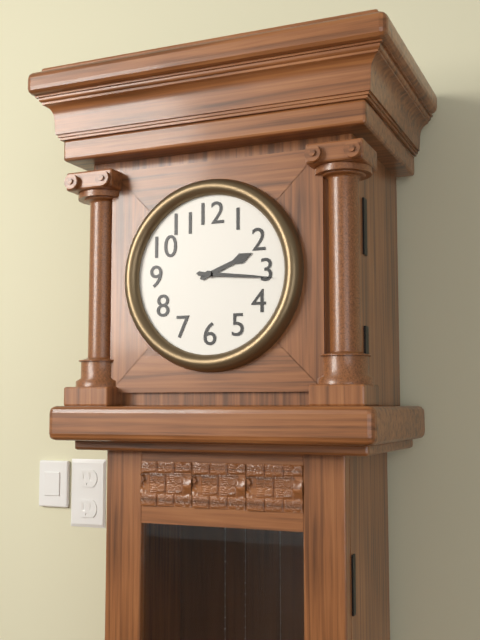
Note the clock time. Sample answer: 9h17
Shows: 2h16
